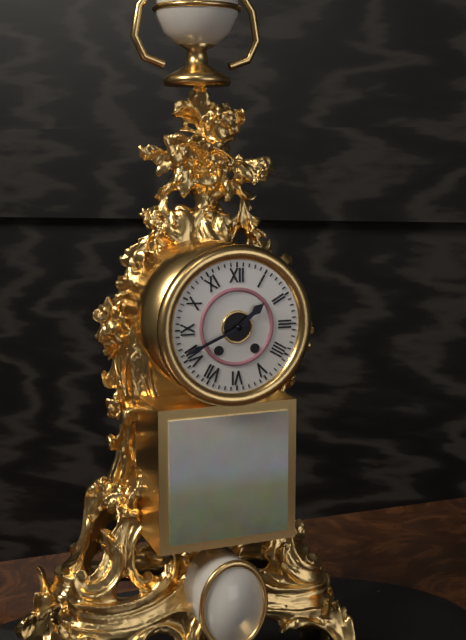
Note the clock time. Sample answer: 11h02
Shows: 1h41
